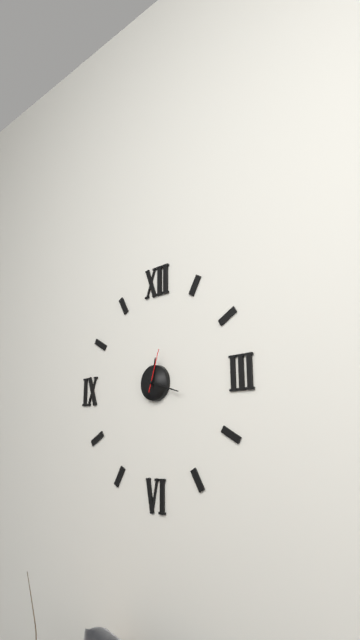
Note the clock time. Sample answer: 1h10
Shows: 12h18
